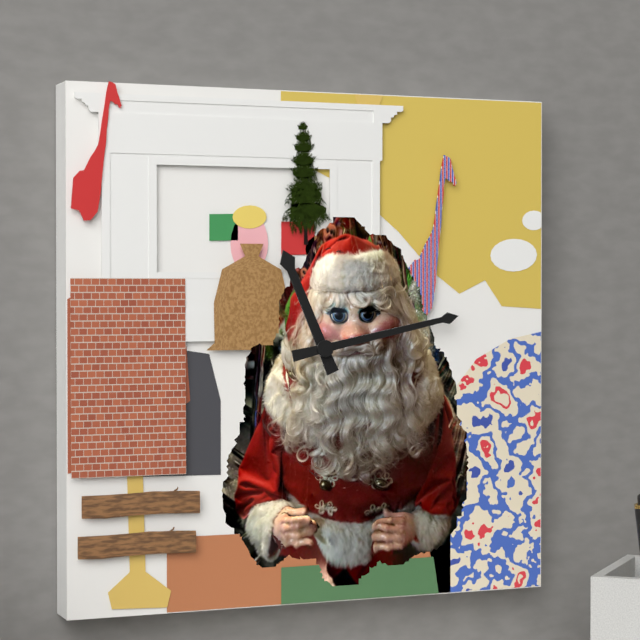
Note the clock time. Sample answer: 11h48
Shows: 11h13
